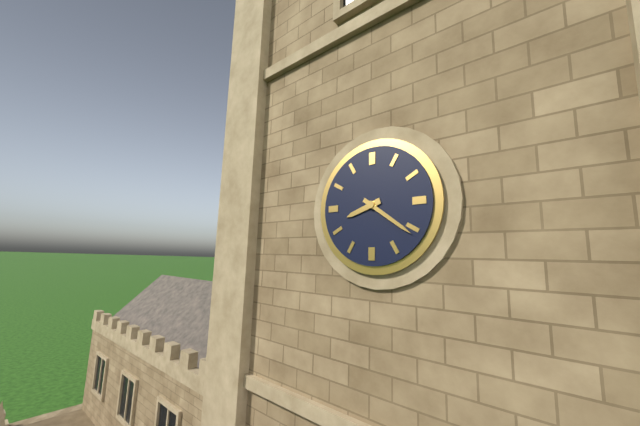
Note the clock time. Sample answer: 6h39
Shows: 8h21
